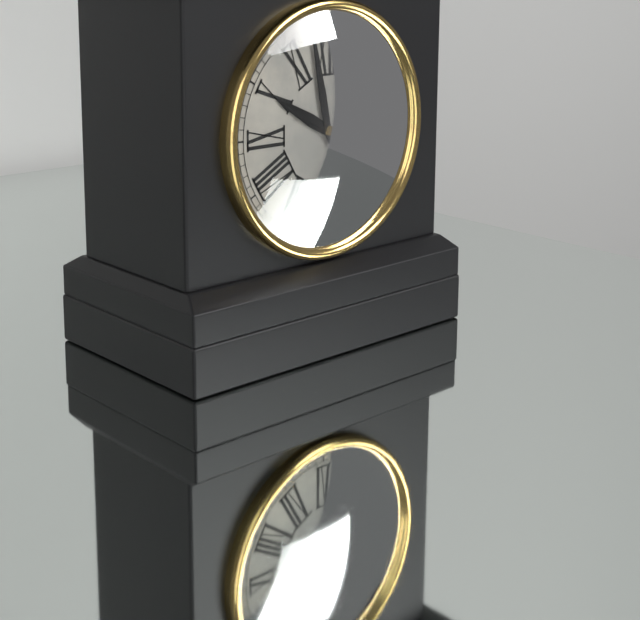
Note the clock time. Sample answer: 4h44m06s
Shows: 9h58m19s
